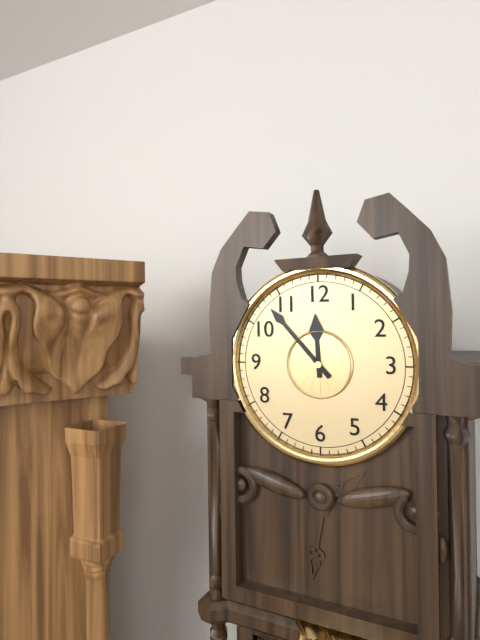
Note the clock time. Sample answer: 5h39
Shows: 11h53
